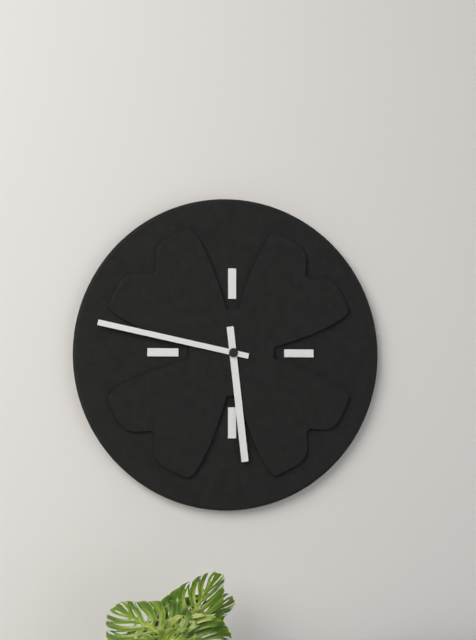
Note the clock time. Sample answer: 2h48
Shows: 5h47
